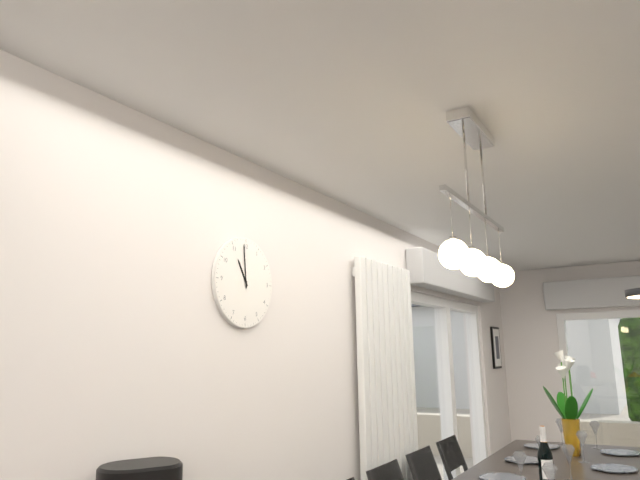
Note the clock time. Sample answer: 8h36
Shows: 10h59
